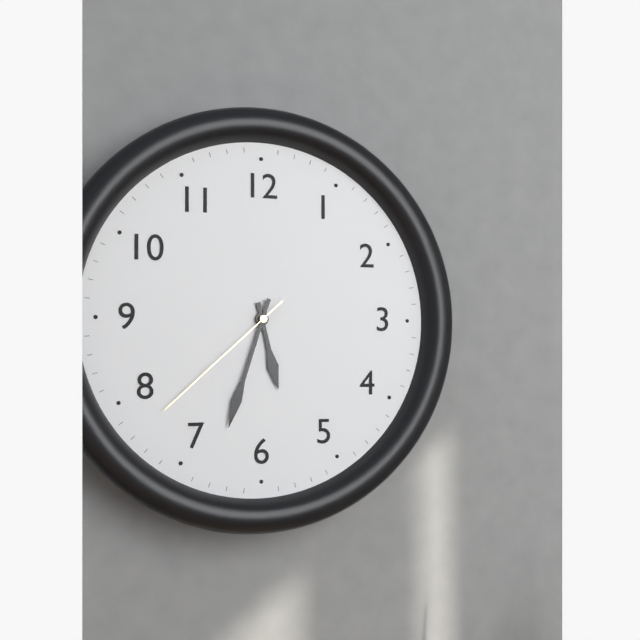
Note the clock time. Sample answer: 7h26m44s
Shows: 5h33m38s
